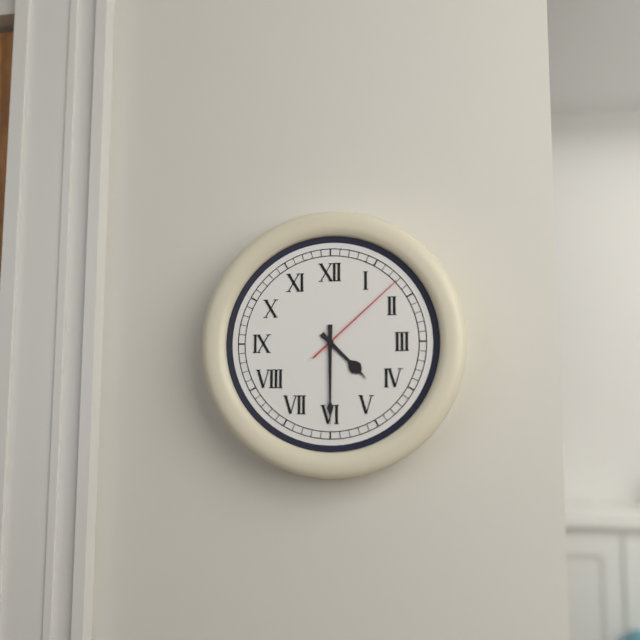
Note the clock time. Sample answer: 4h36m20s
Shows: 4h30m08s
